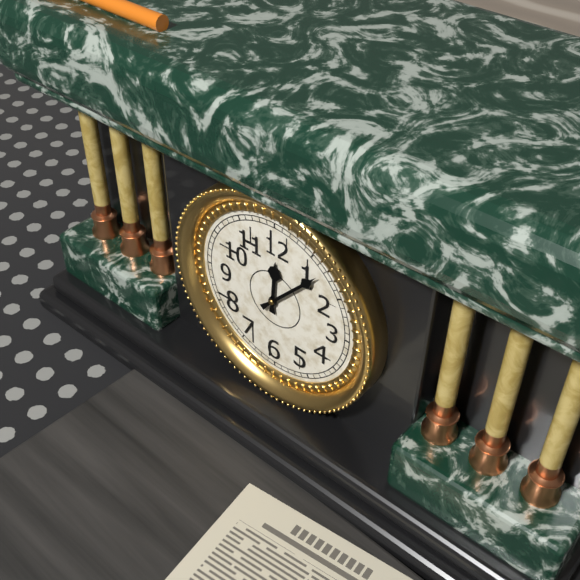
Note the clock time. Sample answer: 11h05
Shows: 12h07
